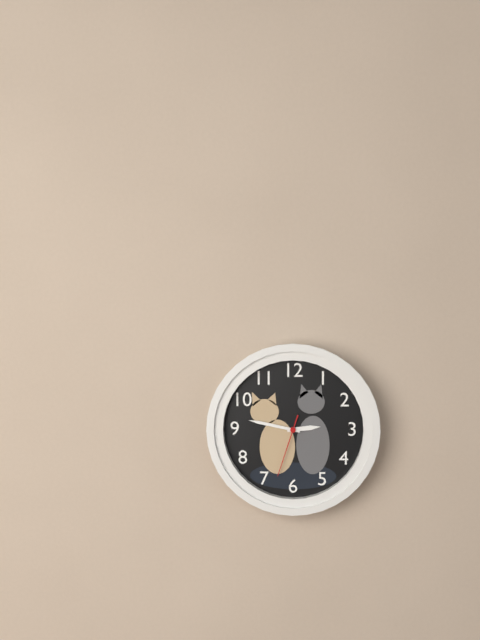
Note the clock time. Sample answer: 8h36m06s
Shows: 2h47m33s
